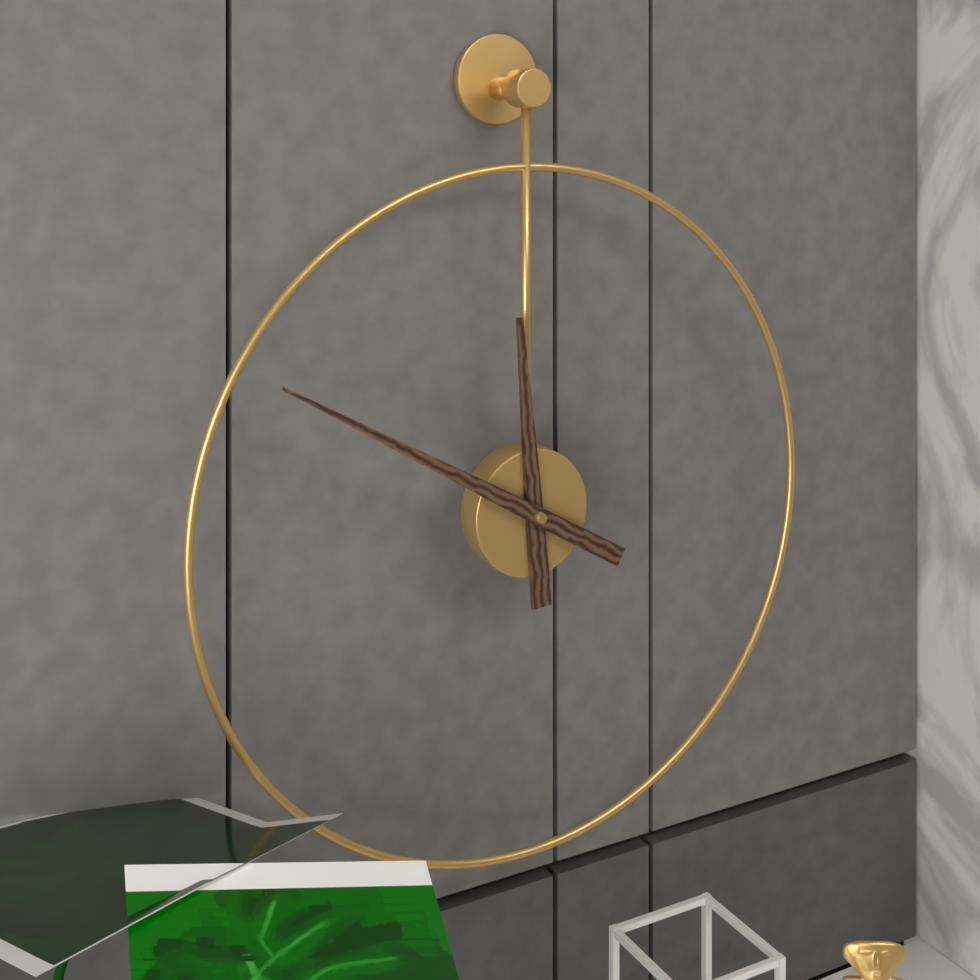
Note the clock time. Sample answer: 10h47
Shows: 11h50
